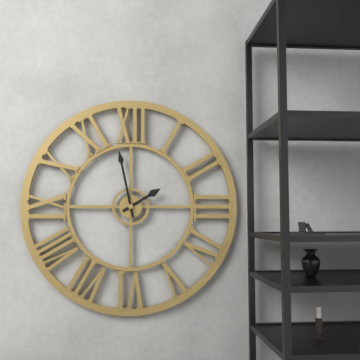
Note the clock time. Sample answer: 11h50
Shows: 1h58
